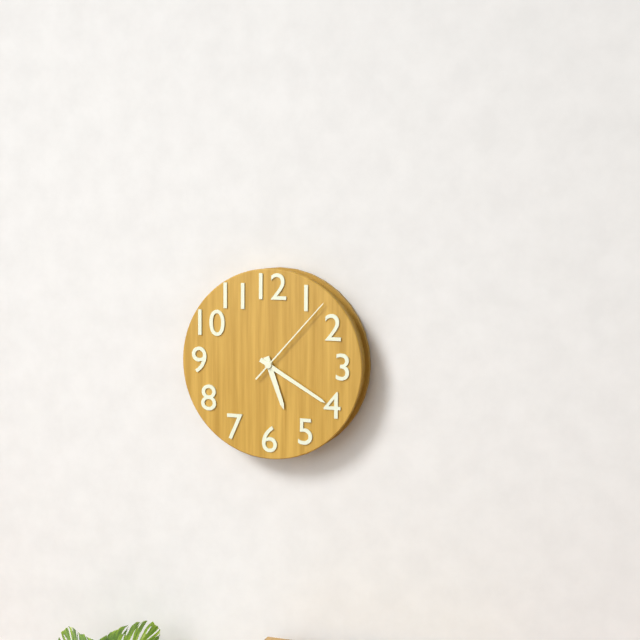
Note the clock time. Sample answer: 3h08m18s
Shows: 5h20m07s
